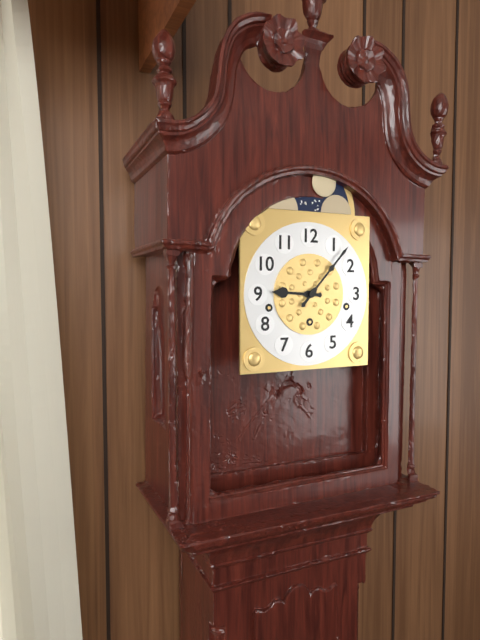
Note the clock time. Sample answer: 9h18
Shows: 9h07
